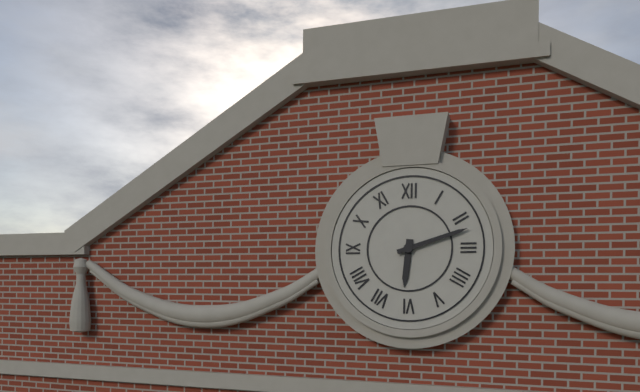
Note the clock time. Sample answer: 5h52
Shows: 6h12
